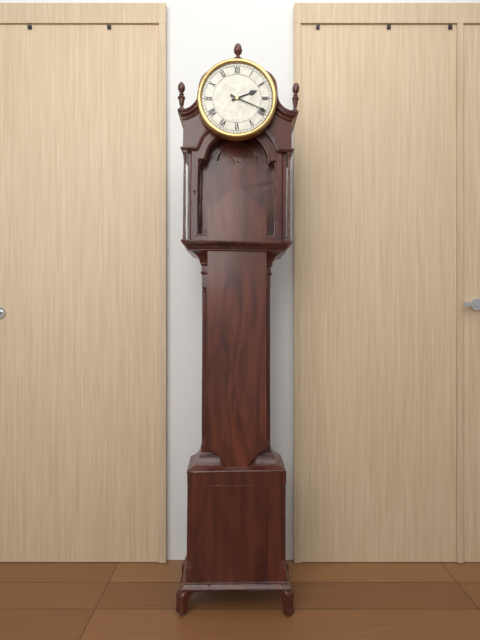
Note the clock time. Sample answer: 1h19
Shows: 2h19
